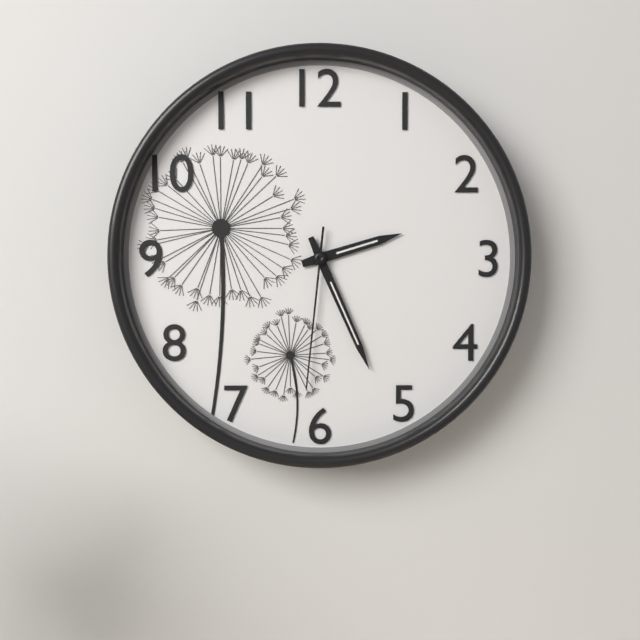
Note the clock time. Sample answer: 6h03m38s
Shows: 2h26m31s
